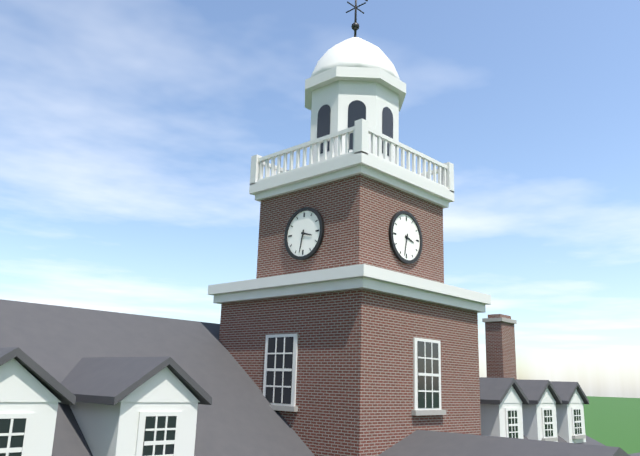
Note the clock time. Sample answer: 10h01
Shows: 3h32
